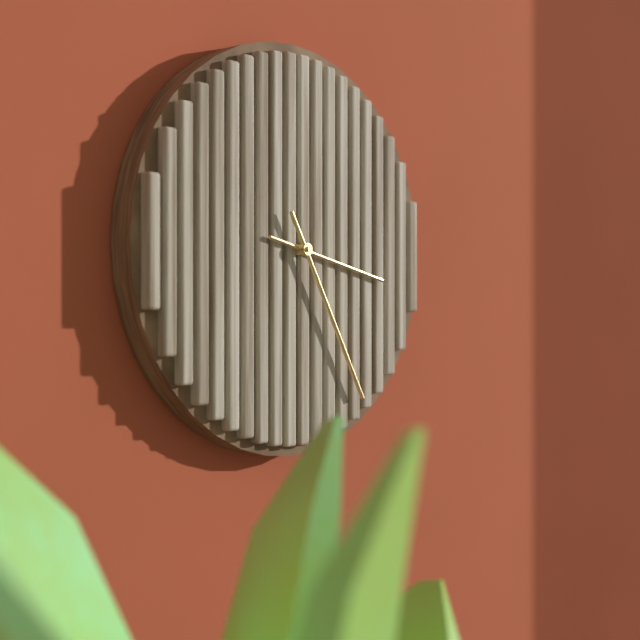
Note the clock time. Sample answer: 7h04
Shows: 3h25
